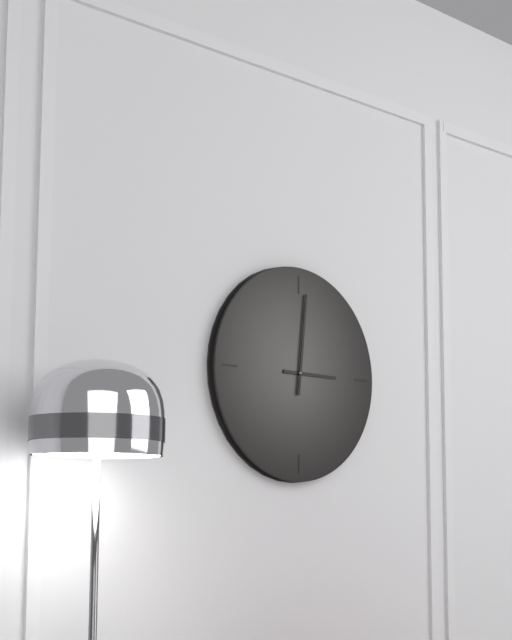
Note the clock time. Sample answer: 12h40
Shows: 3h01
